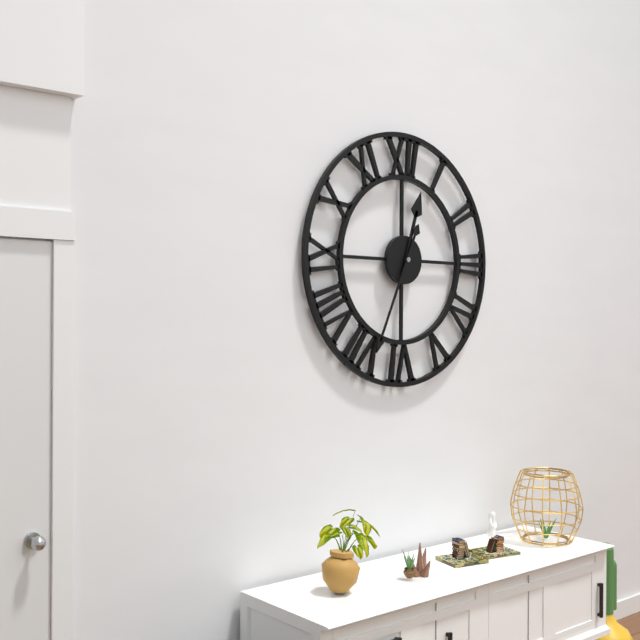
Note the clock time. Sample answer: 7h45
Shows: 12h34
